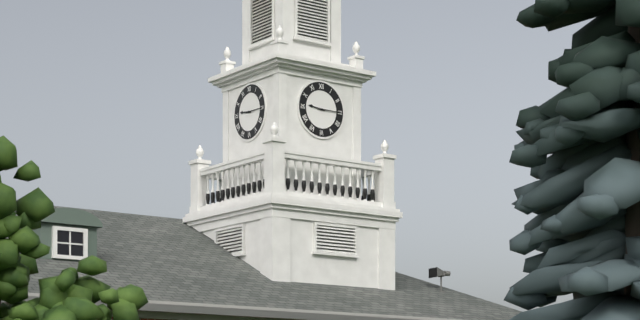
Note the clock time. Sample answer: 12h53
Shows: 9h15
